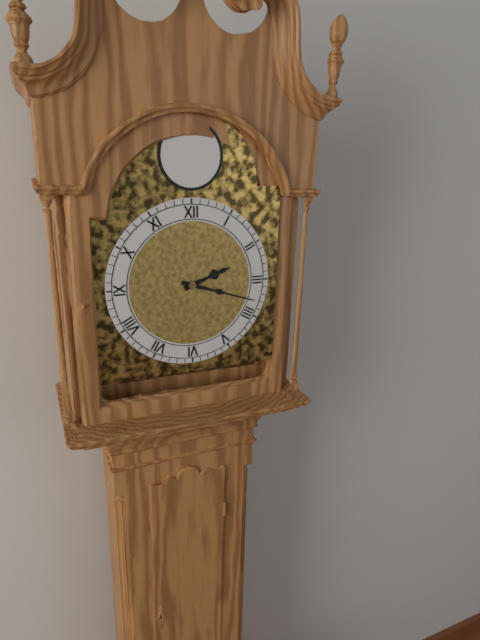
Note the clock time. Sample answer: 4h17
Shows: 2h18
